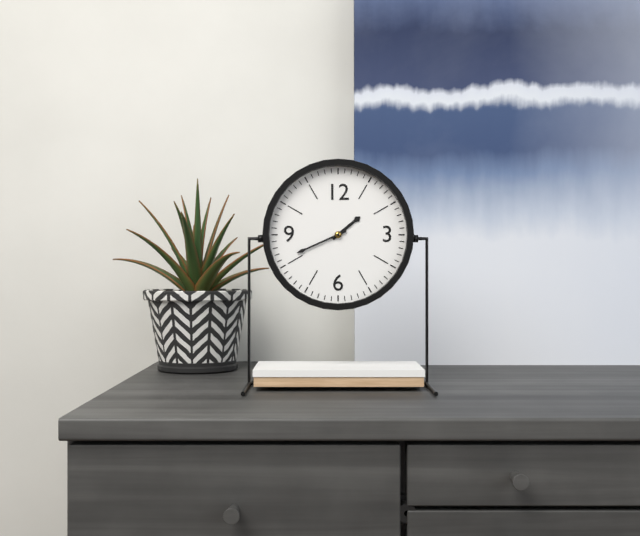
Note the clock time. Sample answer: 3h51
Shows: 1h41
